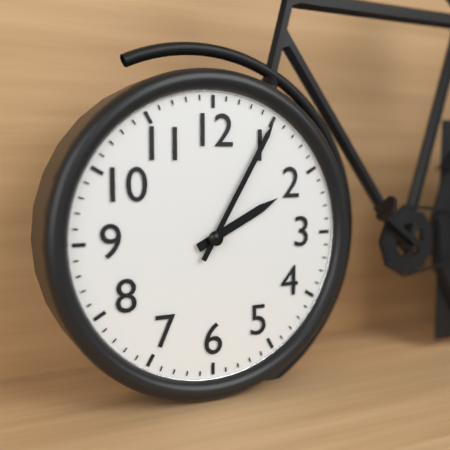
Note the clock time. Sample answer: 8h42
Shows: 2h05
